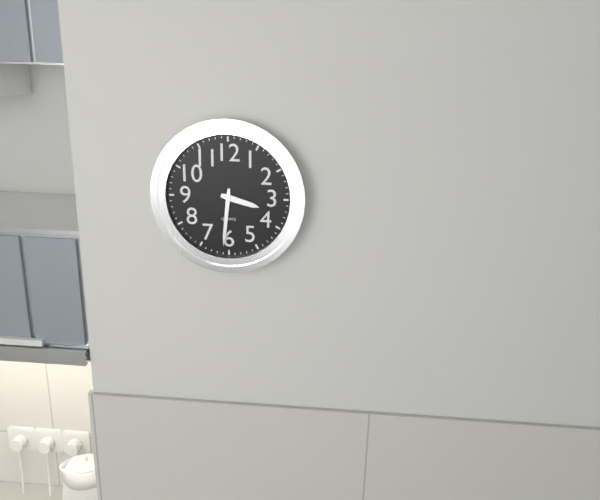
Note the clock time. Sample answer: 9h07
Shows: 3h31
